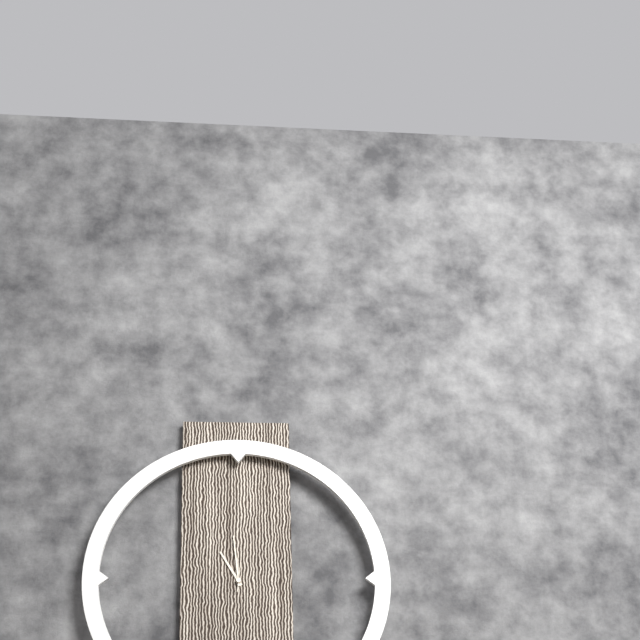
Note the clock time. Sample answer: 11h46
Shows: 10h59
